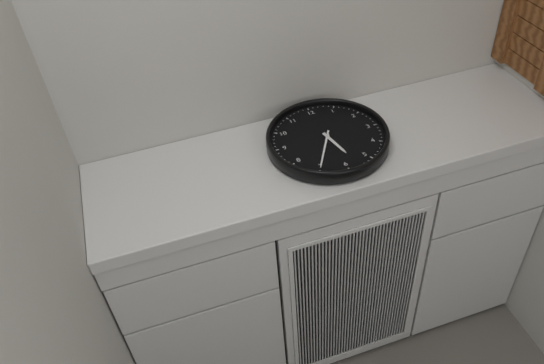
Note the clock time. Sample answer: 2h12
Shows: 5h35
